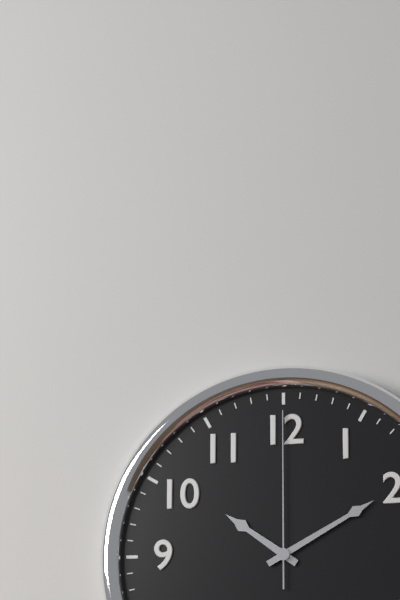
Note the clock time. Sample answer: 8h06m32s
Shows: 10h10m00s
